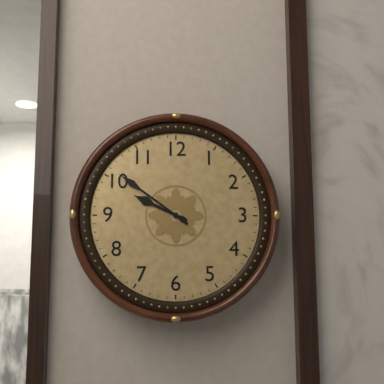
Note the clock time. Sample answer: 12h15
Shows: 9h51
